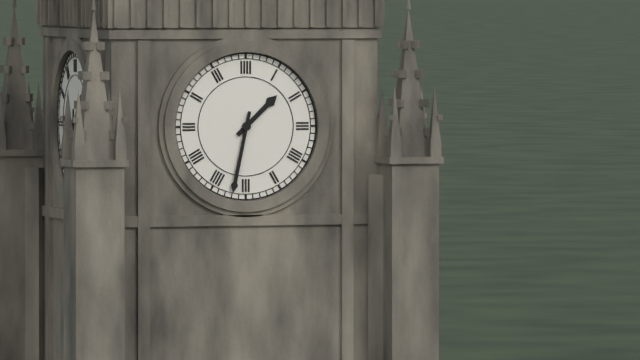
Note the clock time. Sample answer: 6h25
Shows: 1h32
